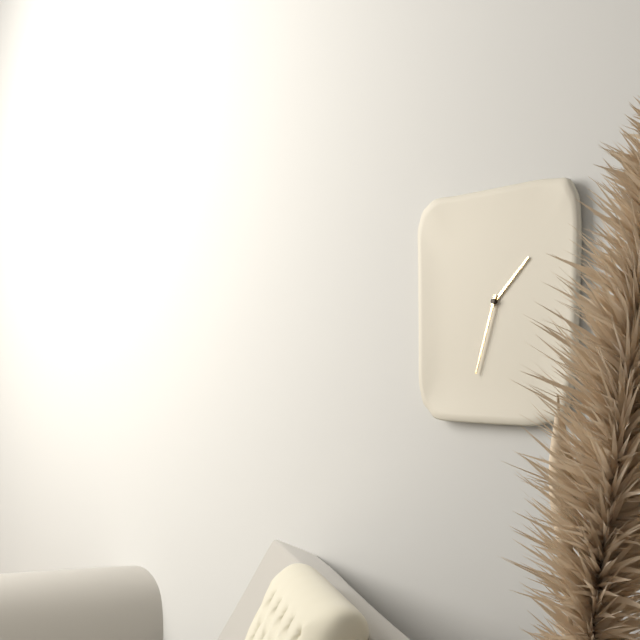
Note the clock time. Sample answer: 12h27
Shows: 1h33
